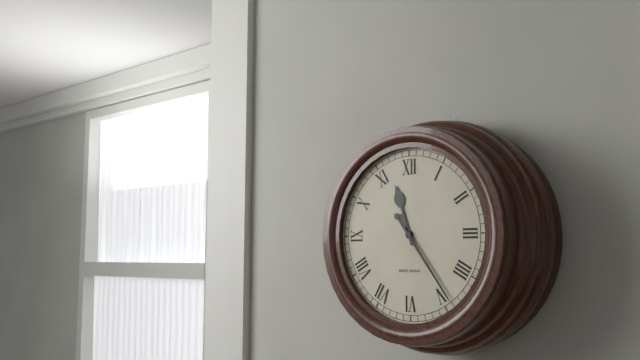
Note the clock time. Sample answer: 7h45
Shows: 11h24
